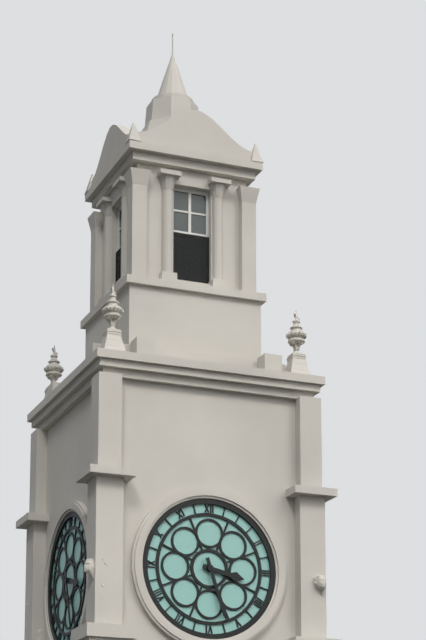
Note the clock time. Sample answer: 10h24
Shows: 3h27
